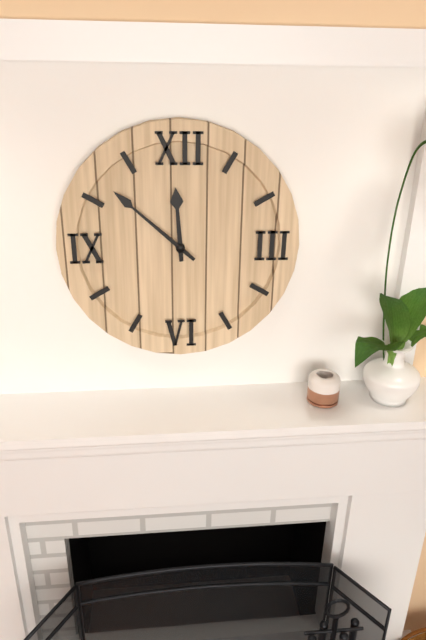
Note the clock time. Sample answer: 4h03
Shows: 11h52
